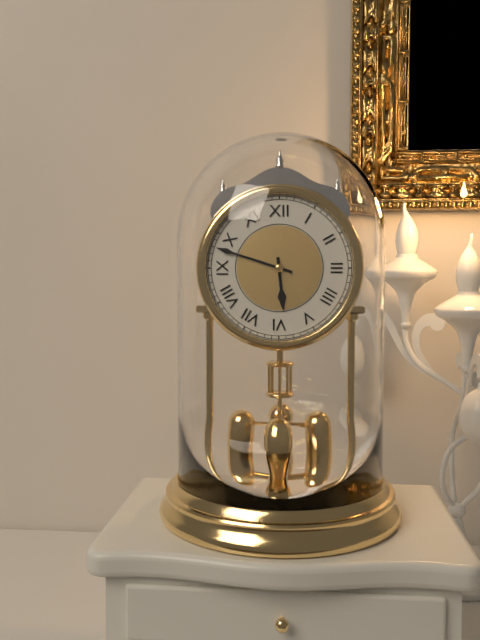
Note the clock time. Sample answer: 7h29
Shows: 5h48
